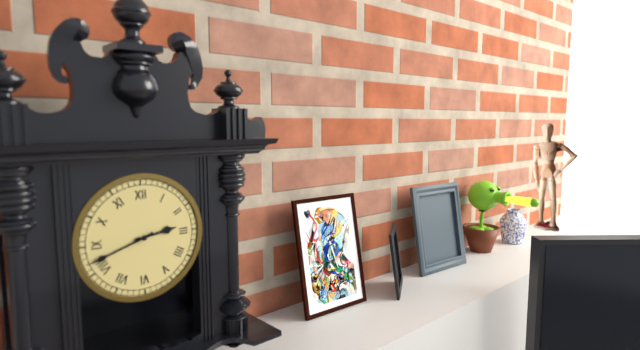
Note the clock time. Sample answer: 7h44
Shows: 2h42
